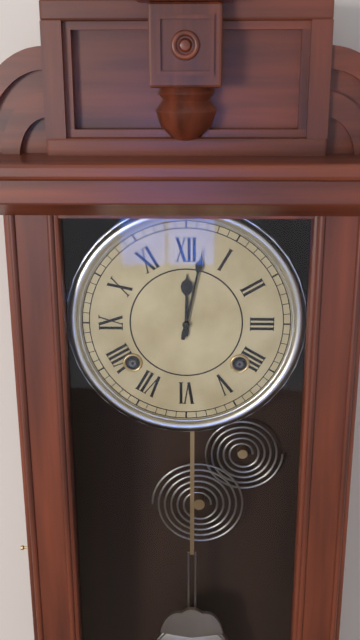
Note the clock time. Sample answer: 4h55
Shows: 12h02
